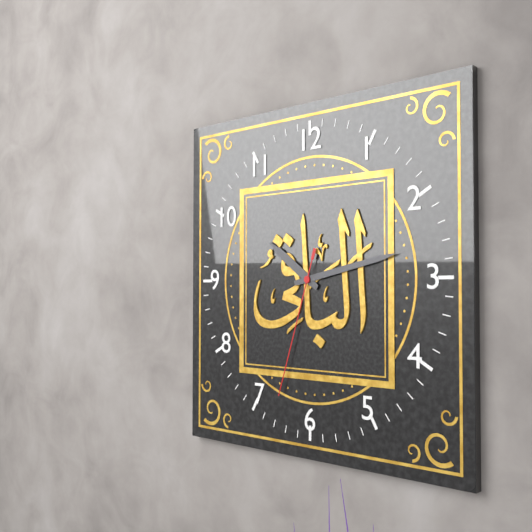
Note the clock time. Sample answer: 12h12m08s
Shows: 10h13m33s
